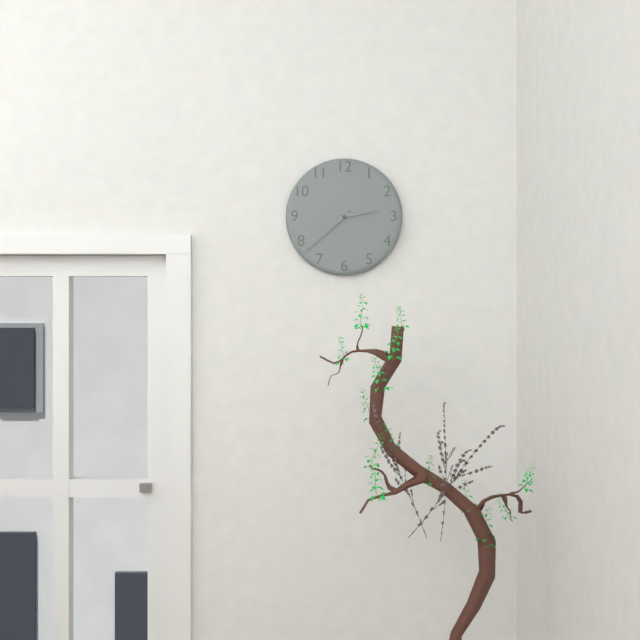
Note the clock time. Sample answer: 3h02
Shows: 2h38
